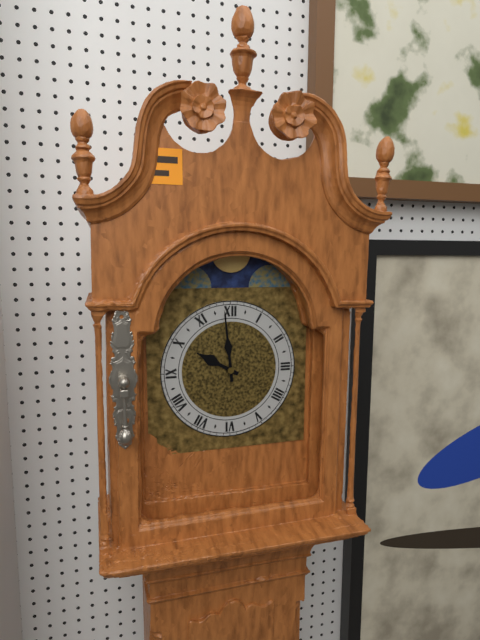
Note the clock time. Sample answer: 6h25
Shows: 9h59
